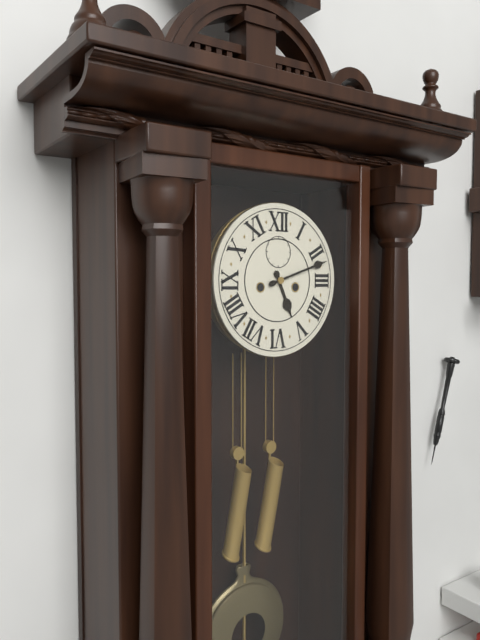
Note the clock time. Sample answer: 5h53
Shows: 5h12
